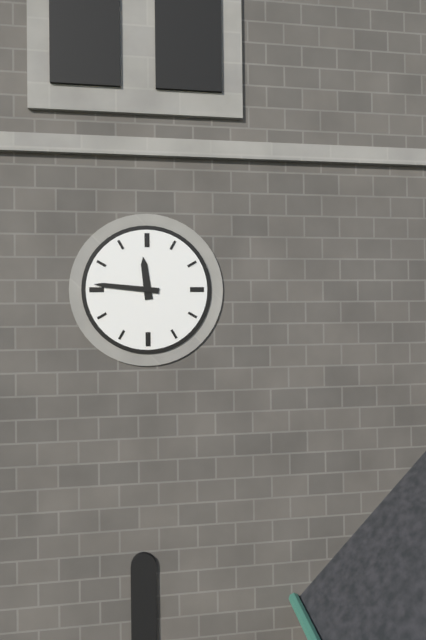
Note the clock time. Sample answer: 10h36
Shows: 11h46
